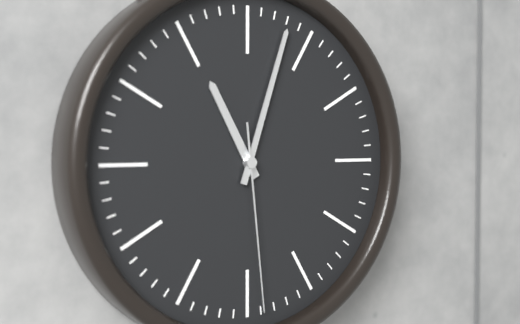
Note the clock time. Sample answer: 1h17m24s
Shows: 11h03m29s
